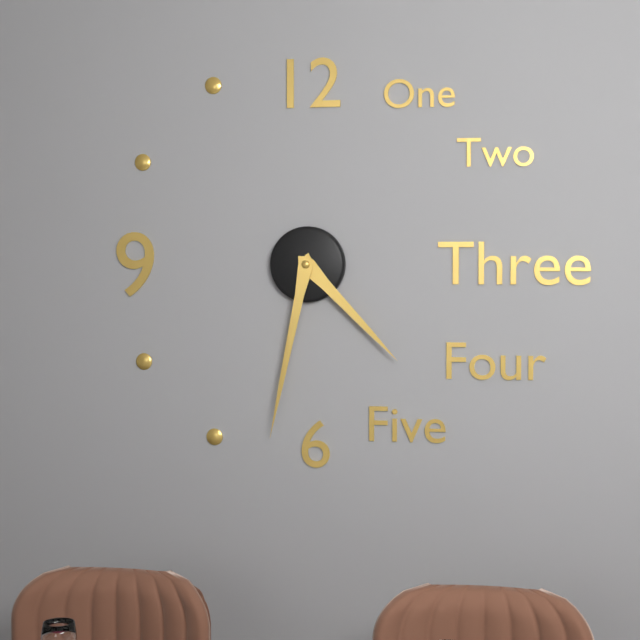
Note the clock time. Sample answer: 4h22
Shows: 4h32
